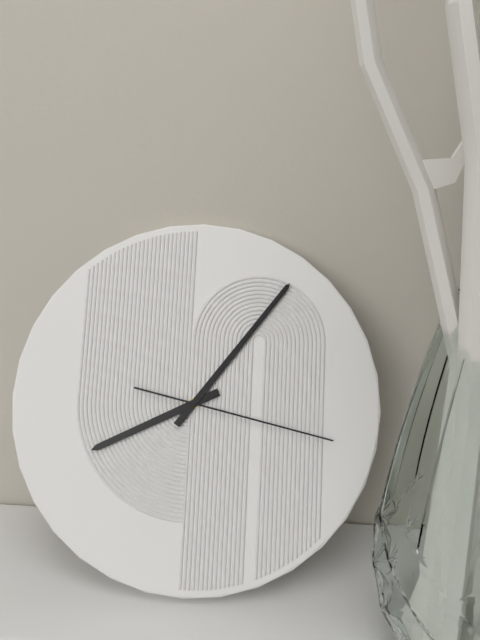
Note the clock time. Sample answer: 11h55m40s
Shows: 8h06m17s
